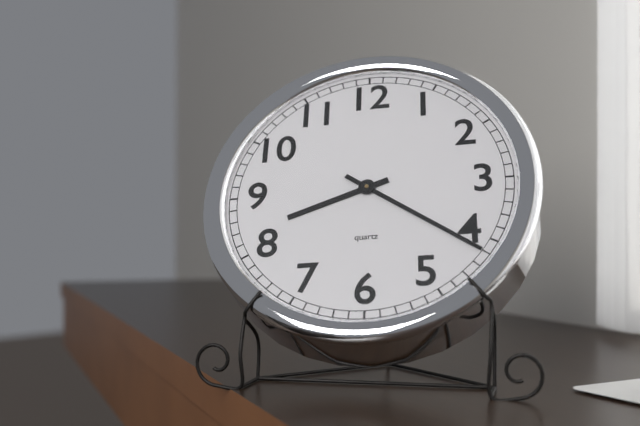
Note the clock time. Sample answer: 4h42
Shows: 8h21
